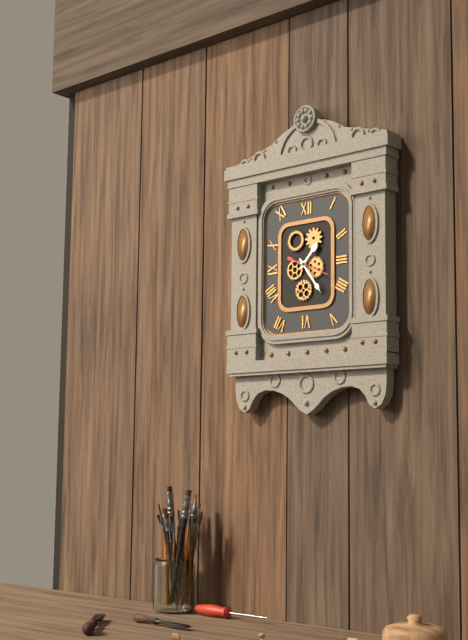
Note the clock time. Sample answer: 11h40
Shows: 1h24
